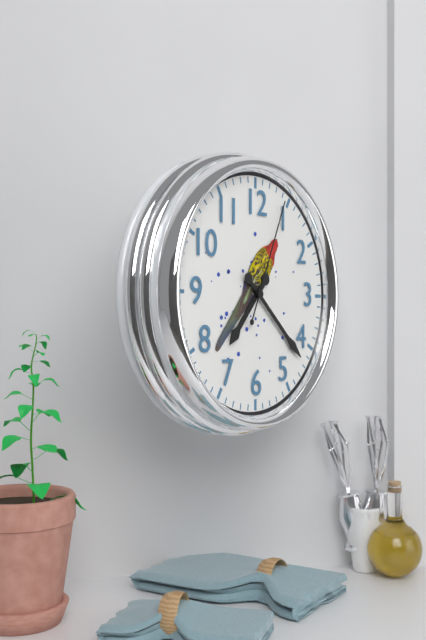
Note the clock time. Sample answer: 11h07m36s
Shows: 7h22m04s
